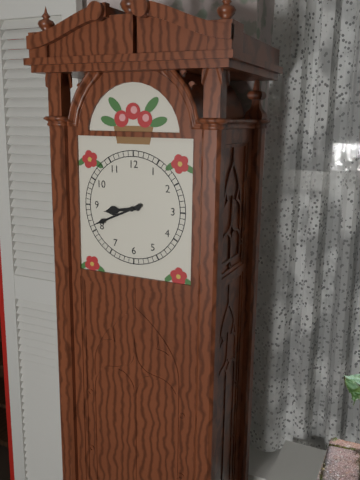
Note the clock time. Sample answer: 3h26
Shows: 8h41
